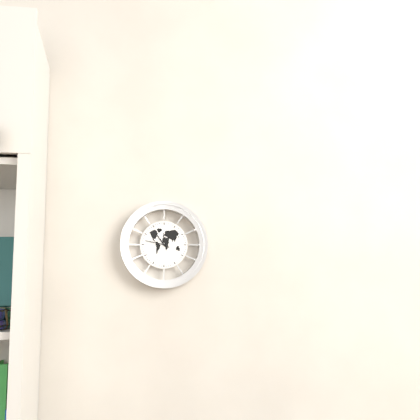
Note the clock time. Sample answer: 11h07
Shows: 10h47
